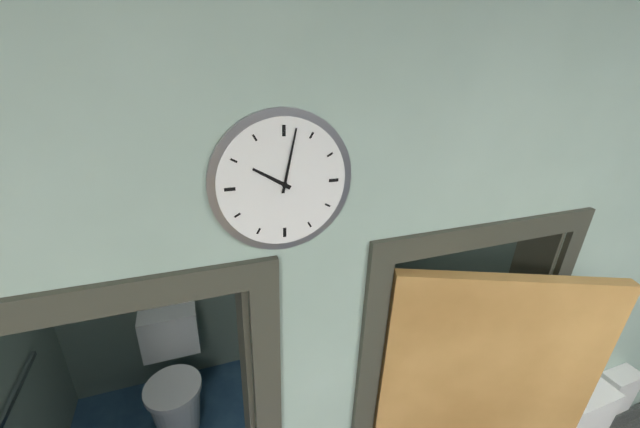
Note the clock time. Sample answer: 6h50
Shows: 10h02
